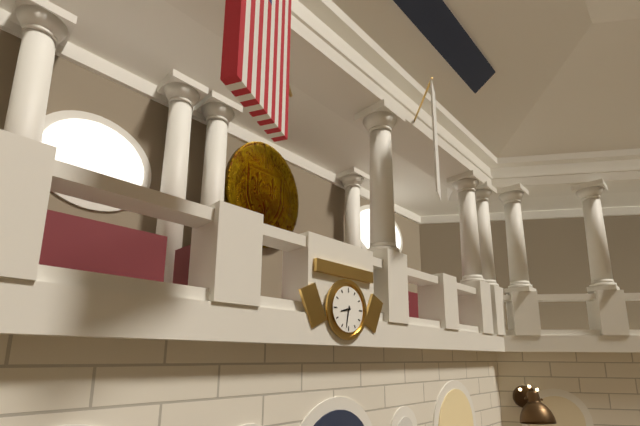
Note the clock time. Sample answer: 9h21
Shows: 8h32
